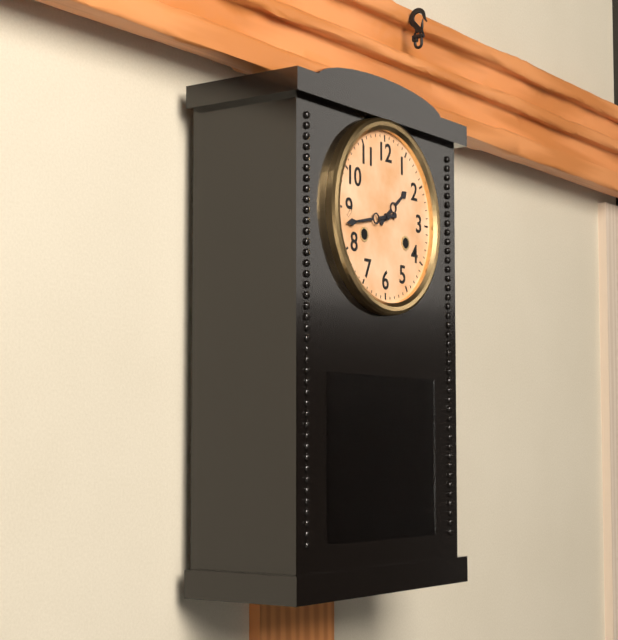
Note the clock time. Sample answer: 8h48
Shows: 1h43
